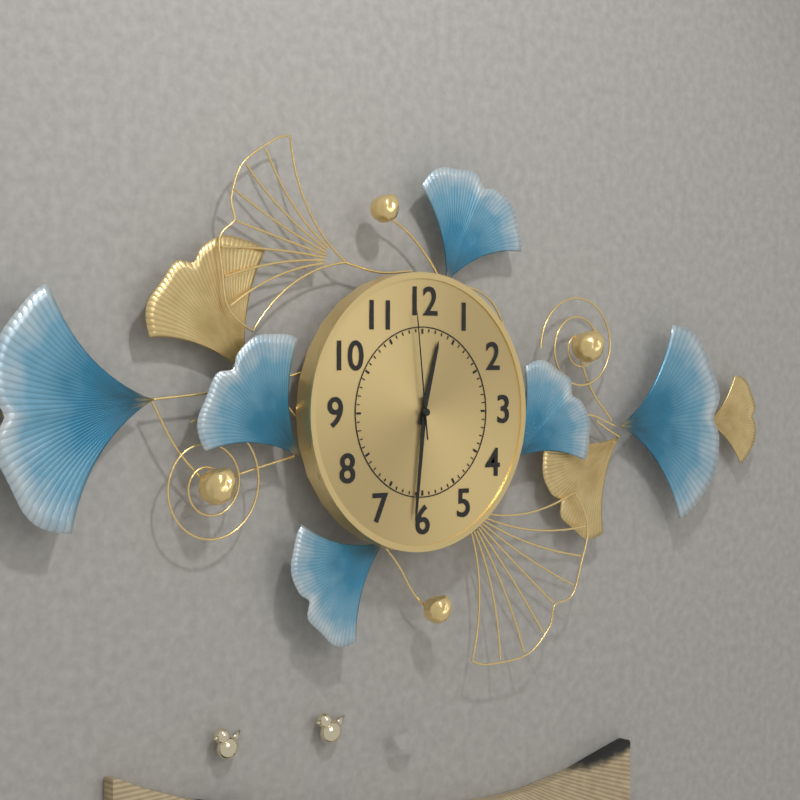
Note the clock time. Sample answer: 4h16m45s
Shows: 12h31m59s
